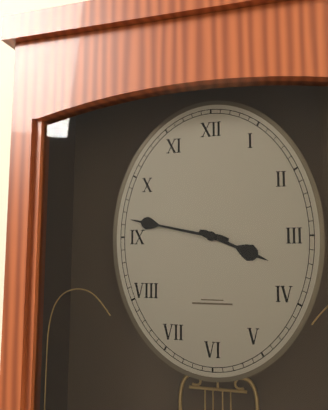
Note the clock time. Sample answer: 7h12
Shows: 3h47
